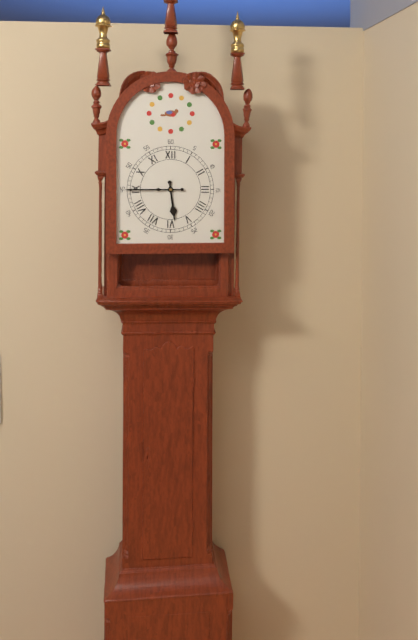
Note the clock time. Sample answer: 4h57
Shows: 5h45
